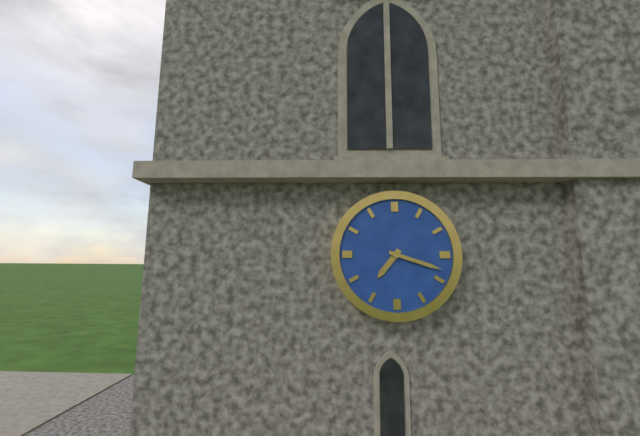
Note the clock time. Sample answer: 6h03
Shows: 7h18
